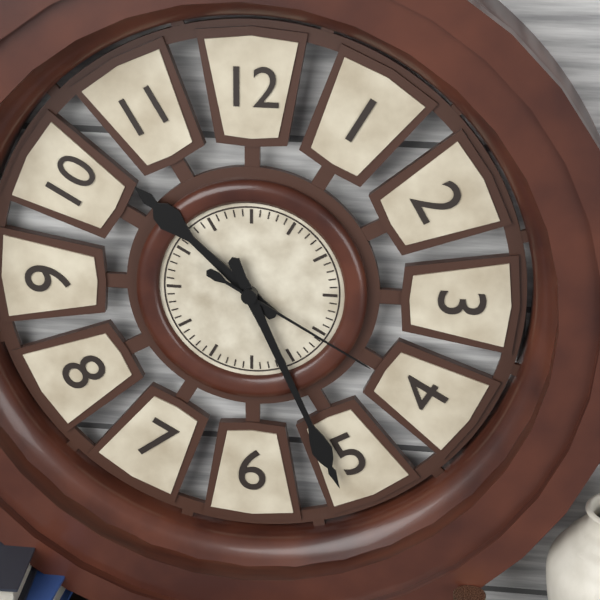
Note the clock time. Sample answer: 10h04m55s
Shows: 10h26m20s
